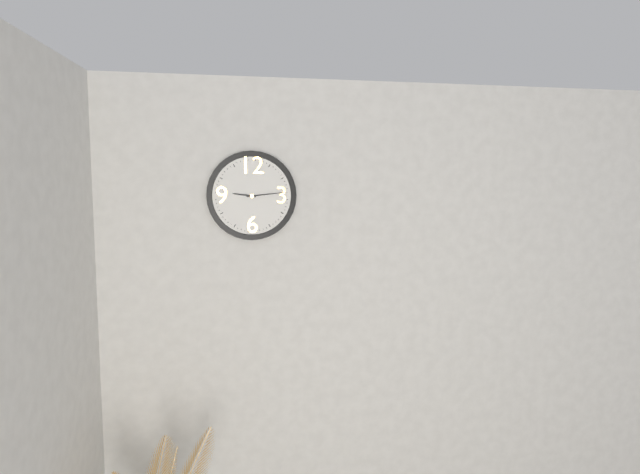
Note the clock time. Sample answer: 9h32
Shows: 9h14
